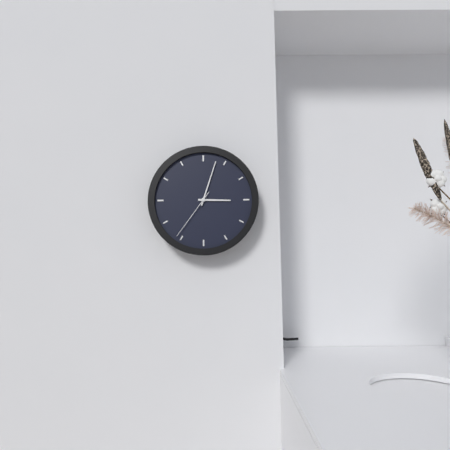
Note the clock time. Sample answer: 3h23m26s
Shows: 3h03m36s
